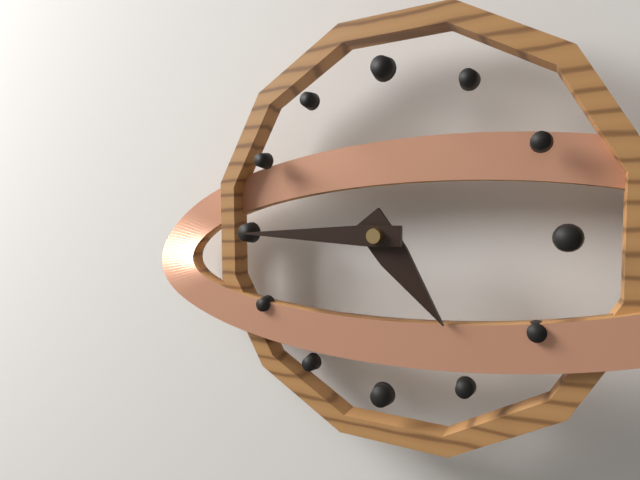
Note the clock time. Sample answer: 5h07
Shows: 4h45
